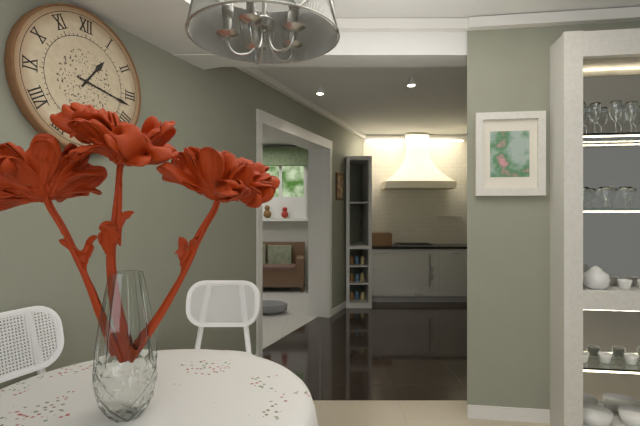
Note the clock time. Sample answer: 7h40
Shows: 1h17
